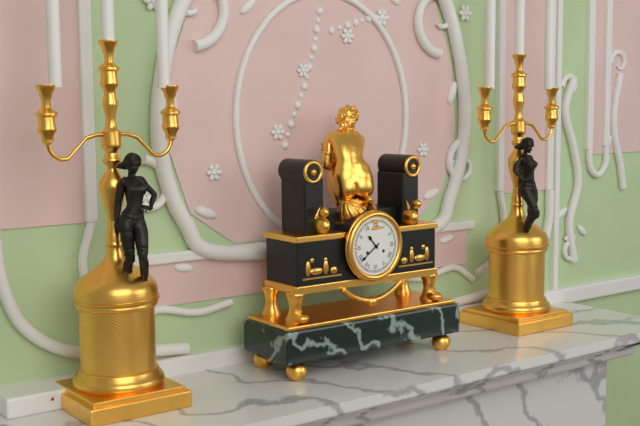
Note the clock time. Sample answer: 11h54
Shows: 10h39
